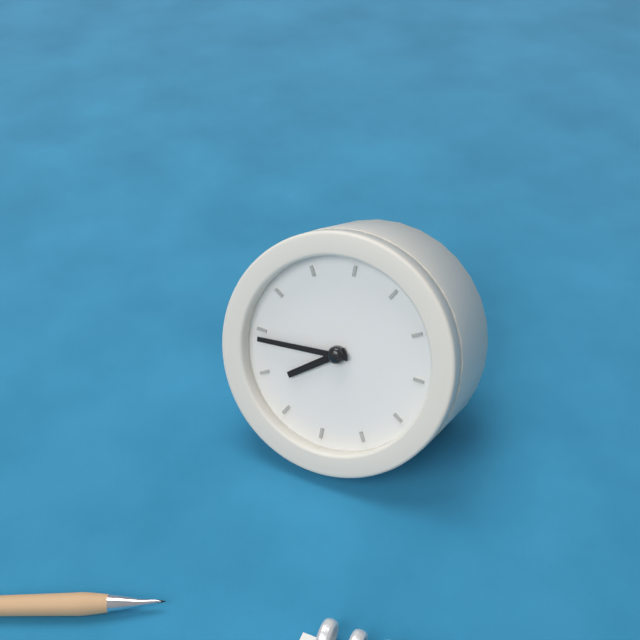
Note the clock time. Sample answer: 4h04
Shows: 7h44
